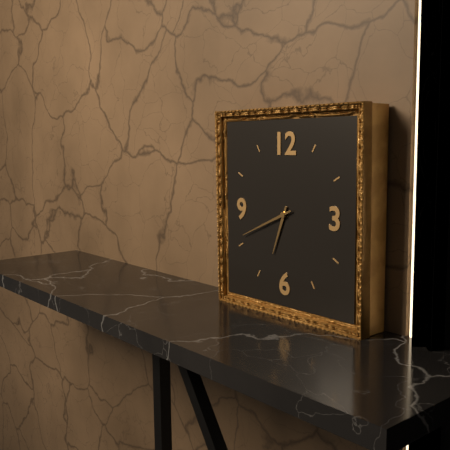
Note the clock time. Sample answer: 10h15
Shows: 6h41
